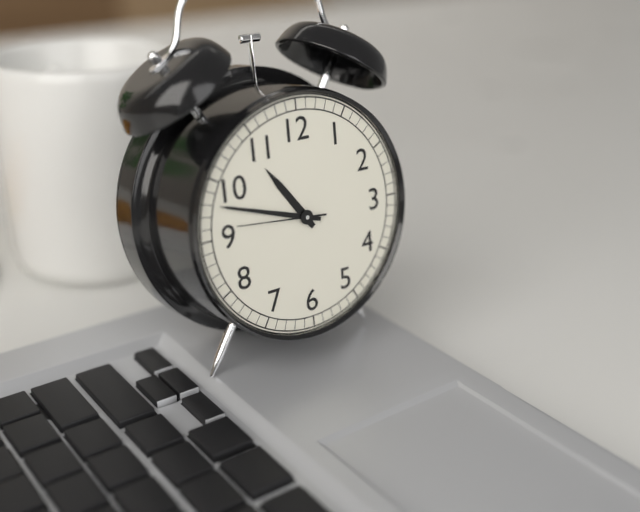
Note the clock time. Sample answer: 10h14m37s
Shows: 10h48m46s
